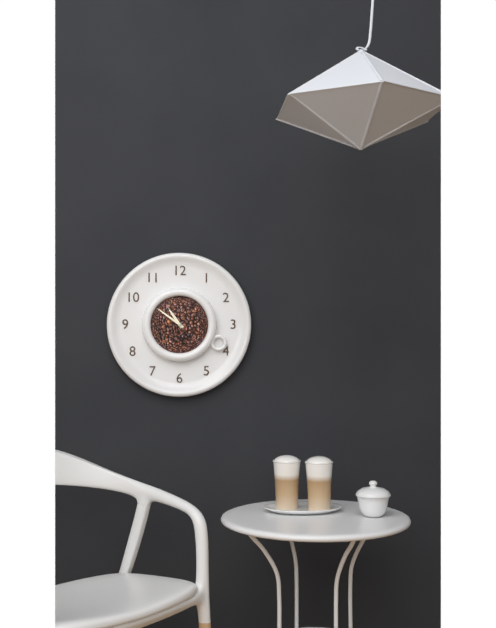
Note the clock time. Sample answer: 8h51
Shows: 10h51
